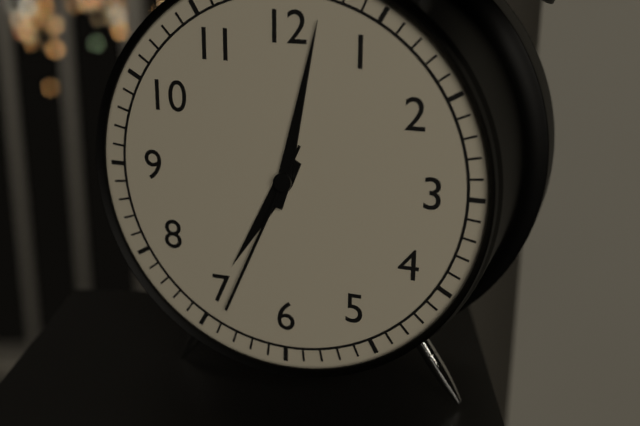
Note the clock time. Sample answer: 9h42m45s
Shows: 7h02m34s
